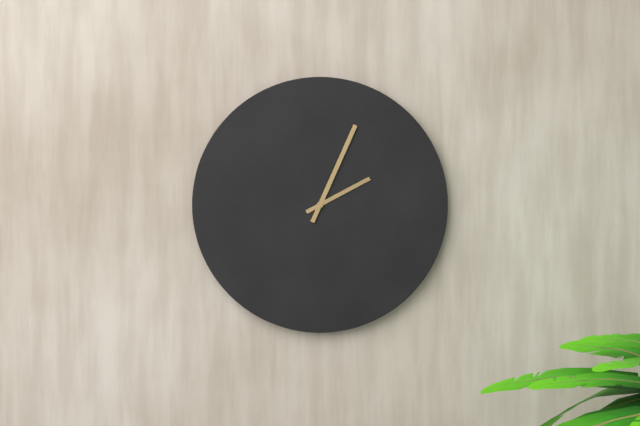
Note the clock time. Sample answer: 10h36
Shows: 2h04
